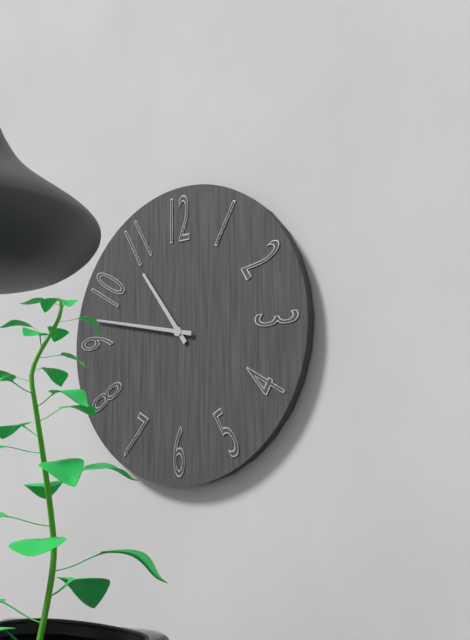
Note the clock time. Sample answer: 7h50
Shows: 10h47
